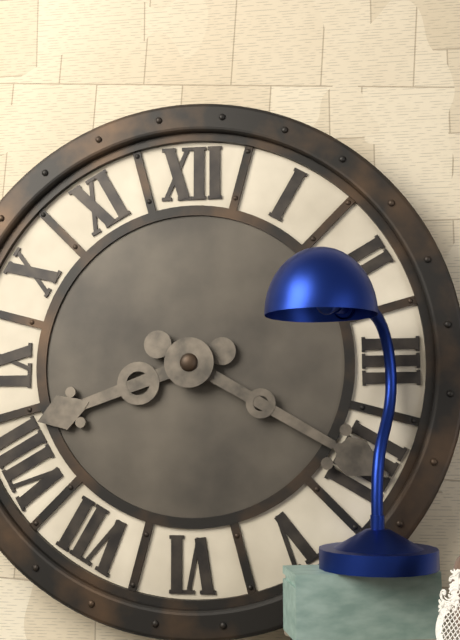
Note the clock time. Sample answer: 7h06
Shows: 8h20
